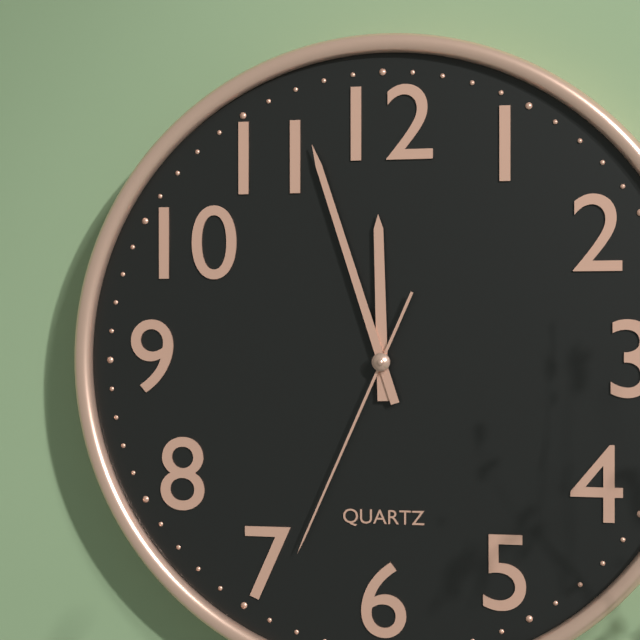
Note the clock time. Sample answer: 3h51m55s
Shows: 11h57m34s
